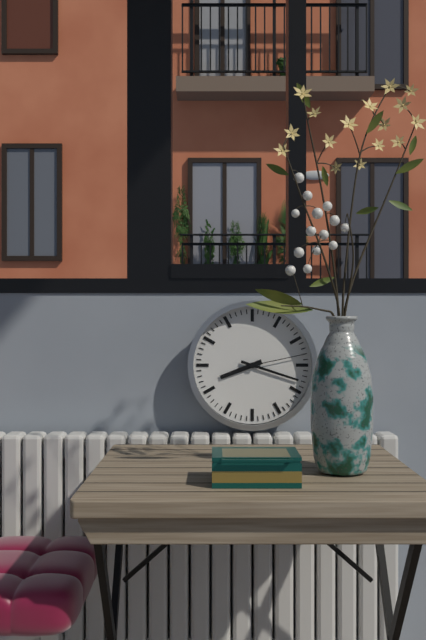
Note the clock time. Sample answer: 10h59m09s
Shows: 8h18m13s
